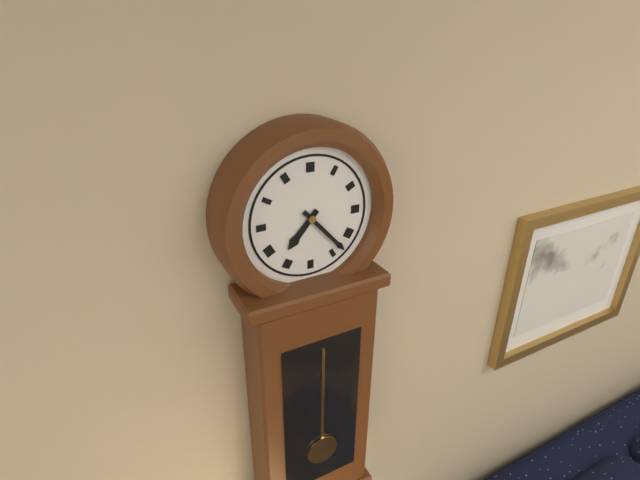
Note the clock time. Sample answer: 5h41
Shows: 7h23
